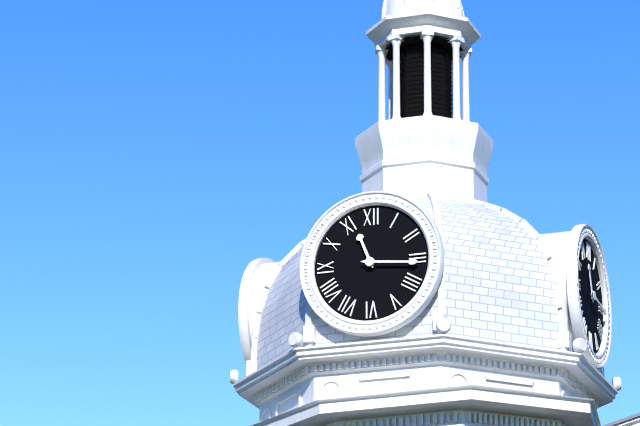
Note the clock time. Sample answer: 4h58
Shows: 11h16
